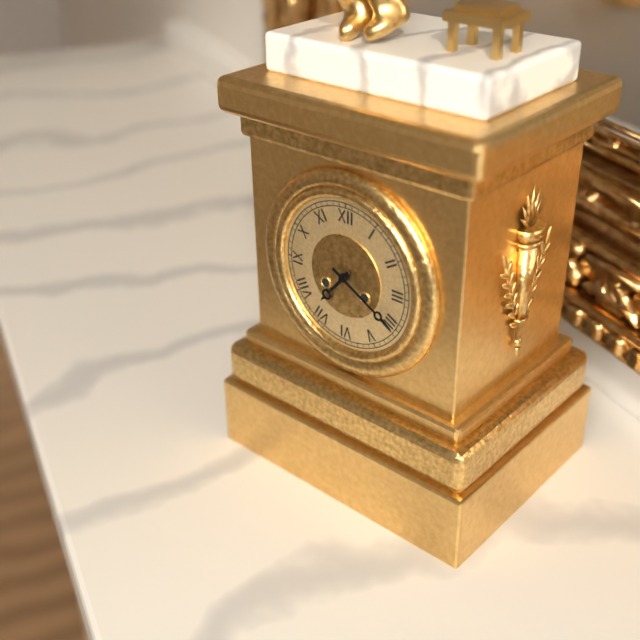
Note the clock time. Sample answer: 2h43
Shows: 7h20
